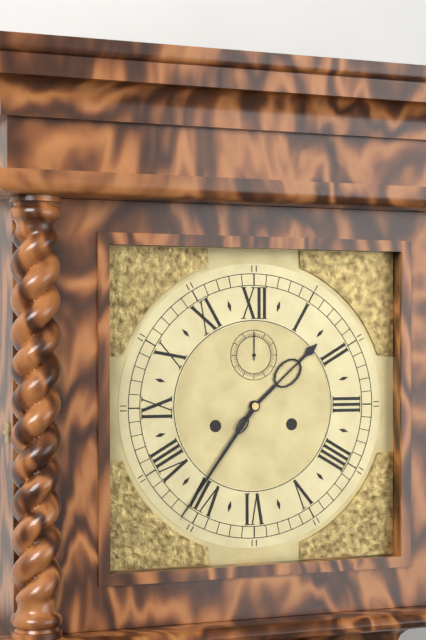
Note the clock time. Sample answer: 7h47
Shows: 1h36
